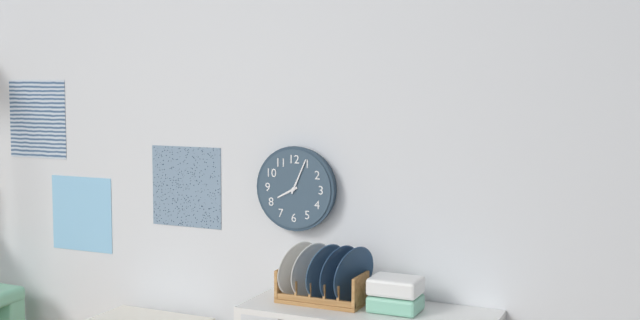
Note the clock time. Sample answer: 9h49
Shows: 8h04
